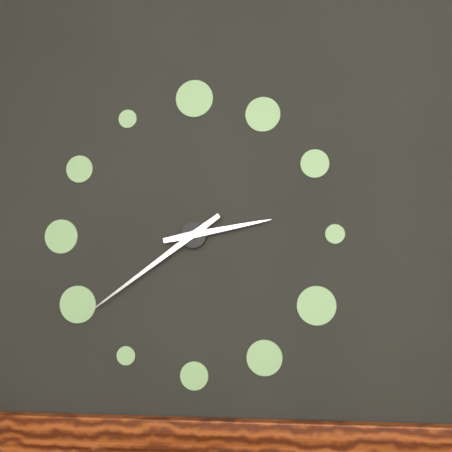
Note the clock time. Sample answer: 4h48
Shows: 2h39
